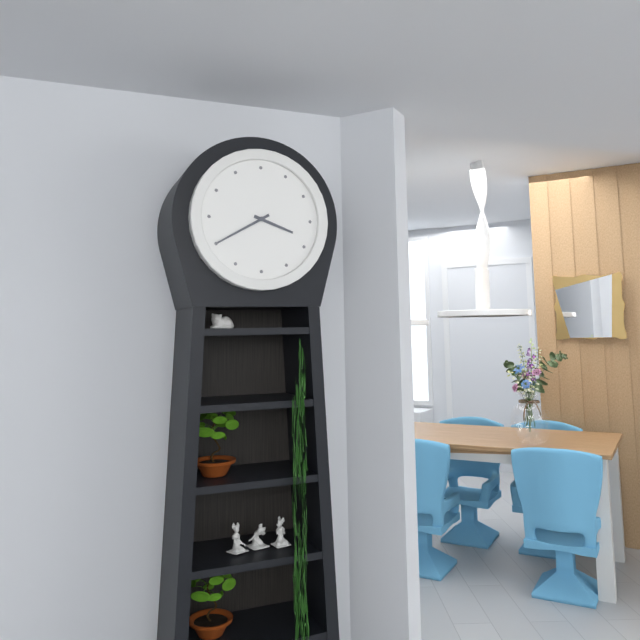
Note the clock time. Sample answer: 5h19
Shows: 3h40
